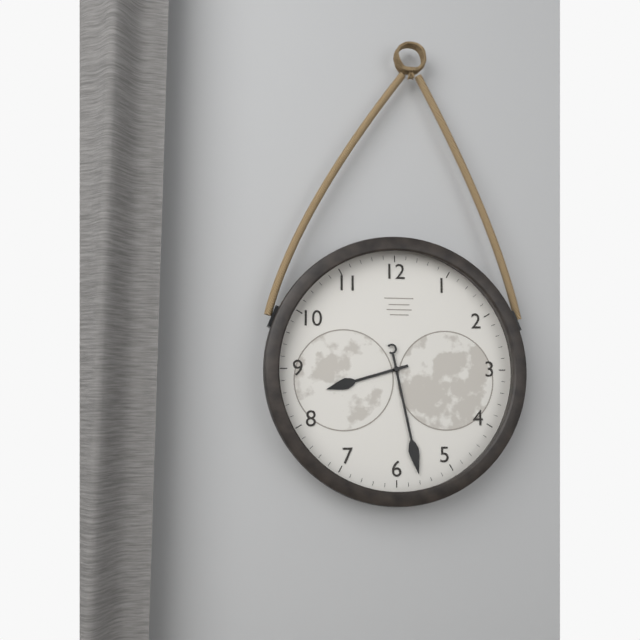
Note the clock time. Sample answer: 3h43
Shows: 8h28
